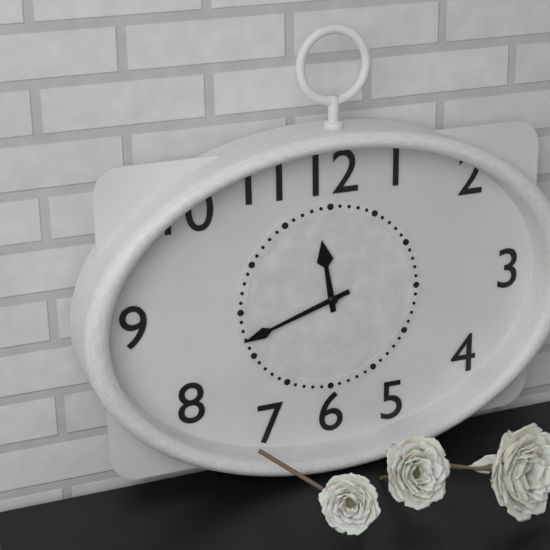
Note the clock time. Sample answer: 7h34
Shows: 11h42
